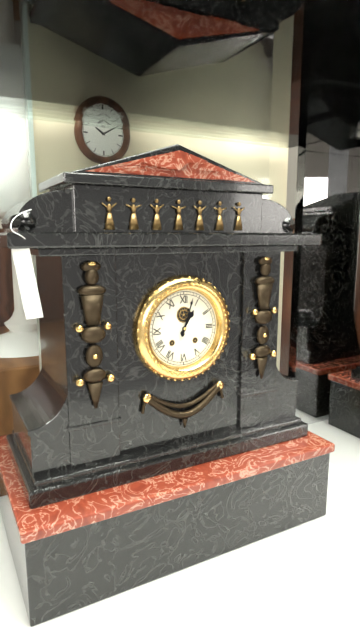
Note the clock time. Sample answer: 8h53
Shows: 1h03
